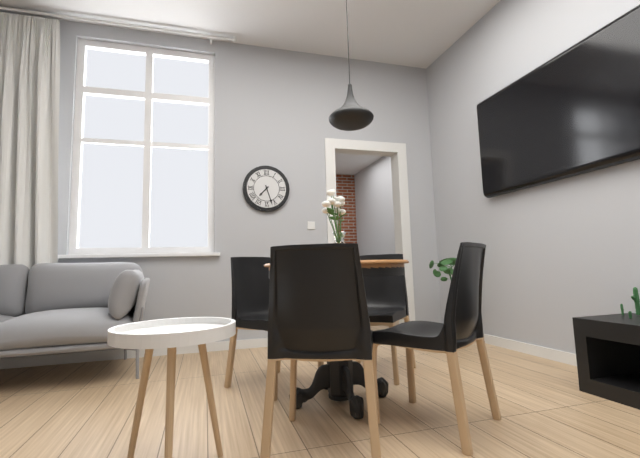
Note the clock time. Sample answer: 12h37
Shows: 7h27
